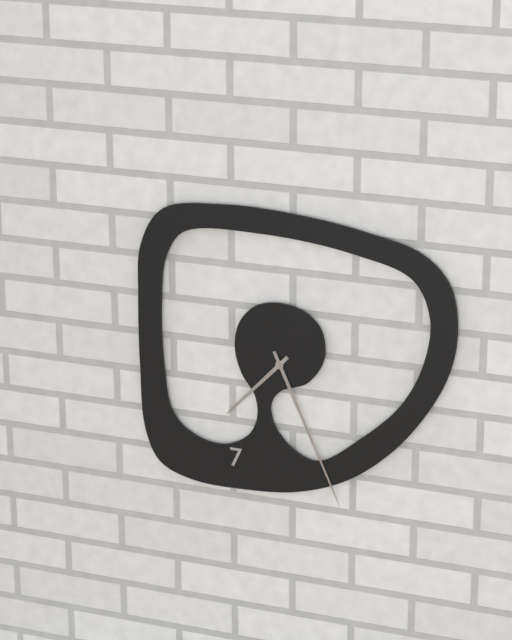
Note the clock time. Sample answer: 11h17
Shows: 7h26
